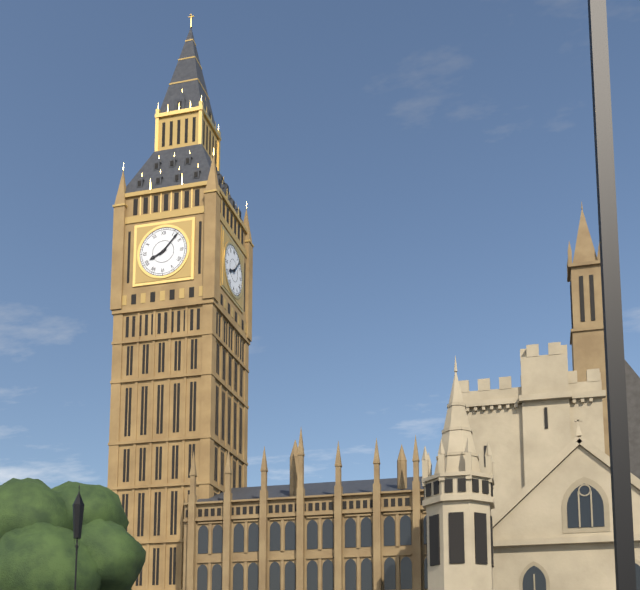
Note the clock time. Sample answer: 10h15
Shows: 8h07
